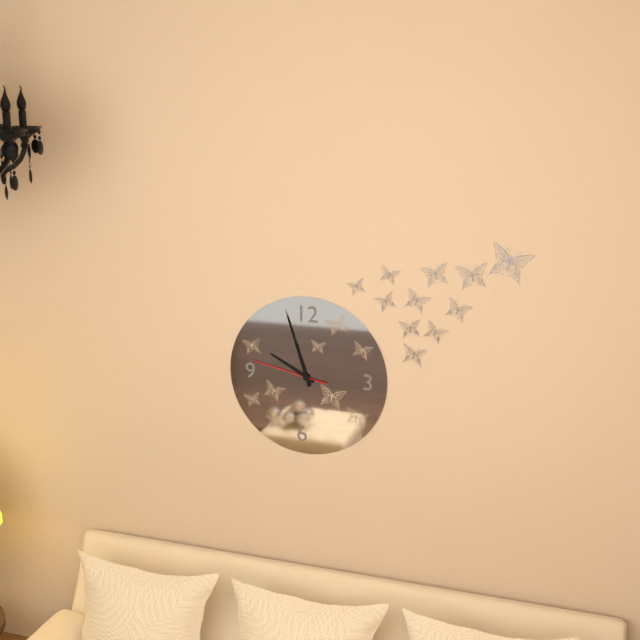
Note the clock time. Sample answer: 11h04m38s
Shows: 9h57m47s
